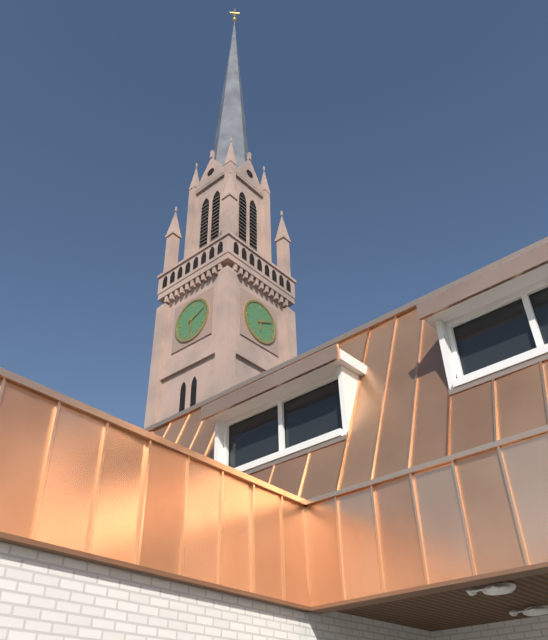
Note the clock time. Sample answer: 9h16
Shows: 6h11
